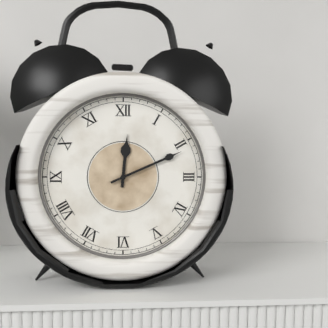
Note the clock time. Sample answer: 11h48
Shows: 12h11
